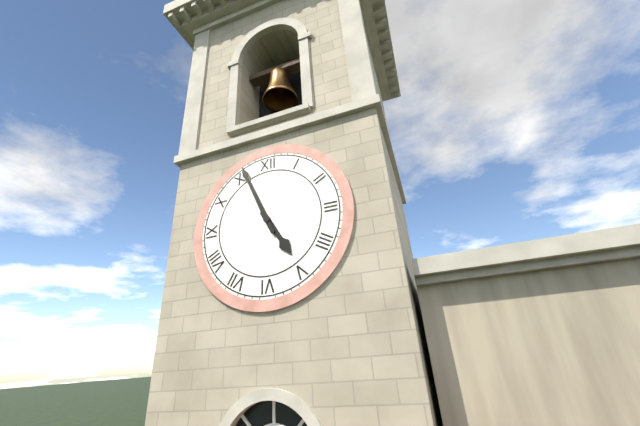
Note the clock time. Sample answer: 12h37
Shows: 4h56
